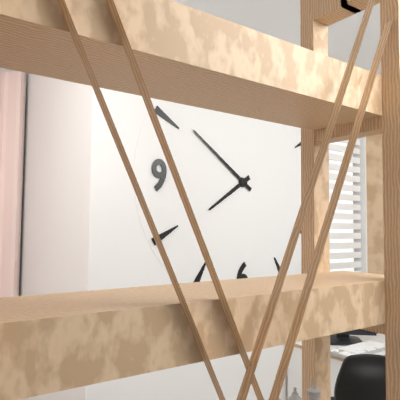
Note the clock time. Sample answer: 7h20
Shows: 7h51
